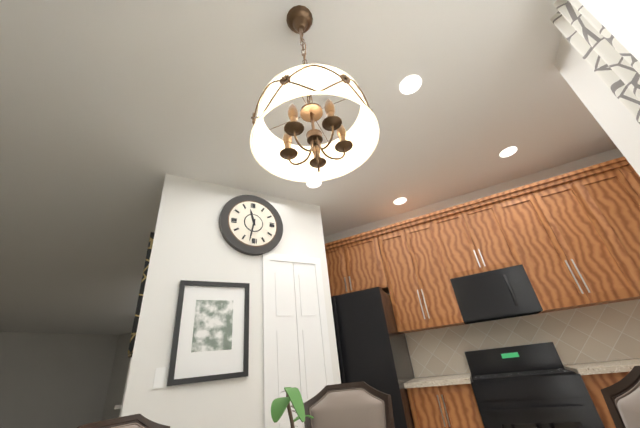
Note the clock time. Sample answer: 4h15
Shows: 11h32
